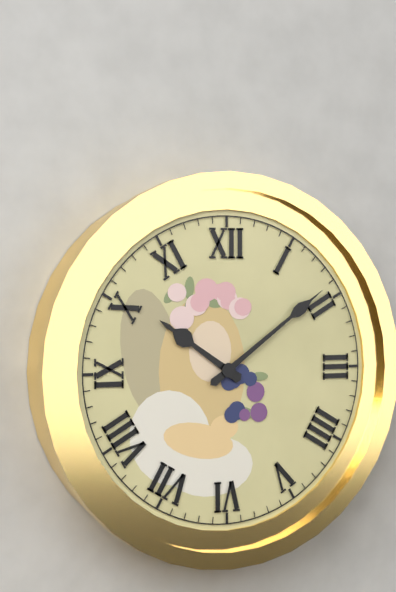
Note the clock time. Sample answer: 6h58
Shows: 10h09
